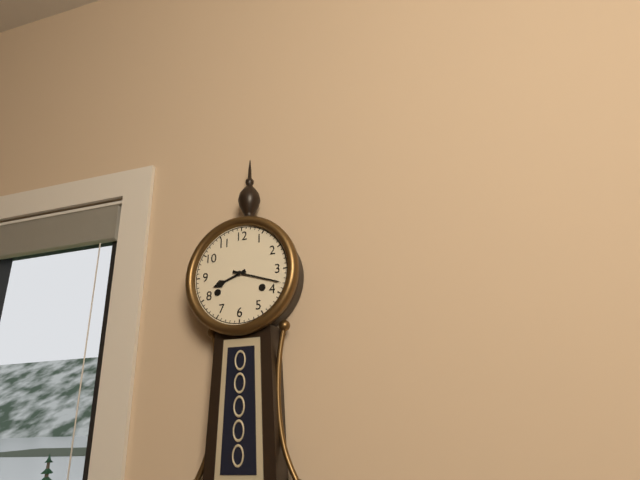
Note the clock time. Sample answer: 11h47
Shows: 8h18
